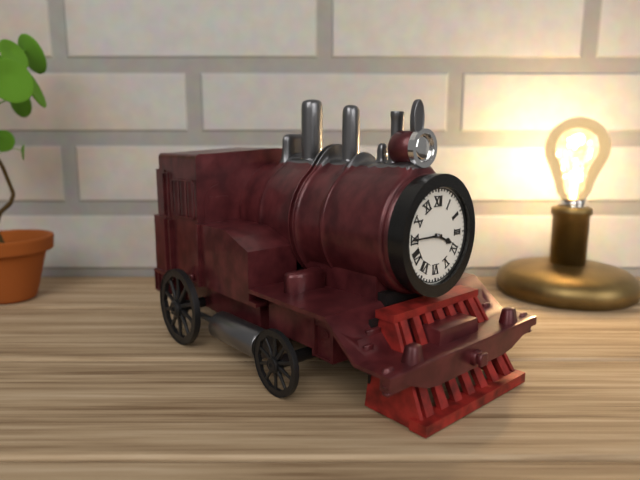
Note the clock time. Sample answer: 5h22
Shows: 3h45
